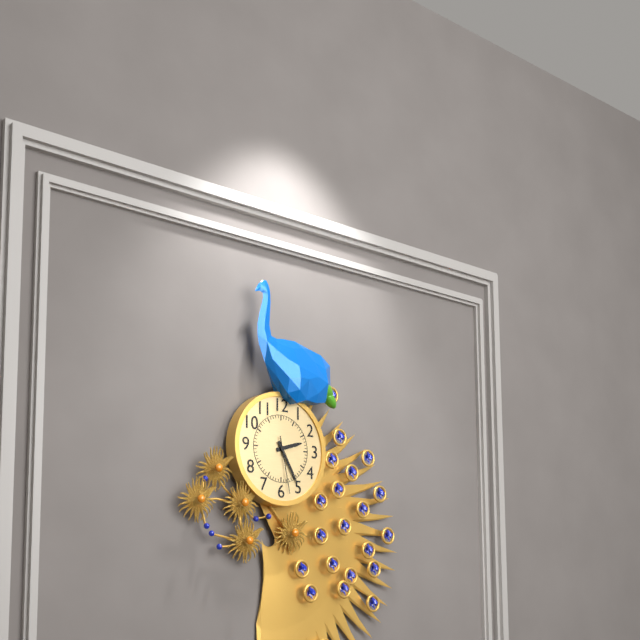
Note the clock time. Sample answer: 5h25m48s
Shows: 2h25m28s
